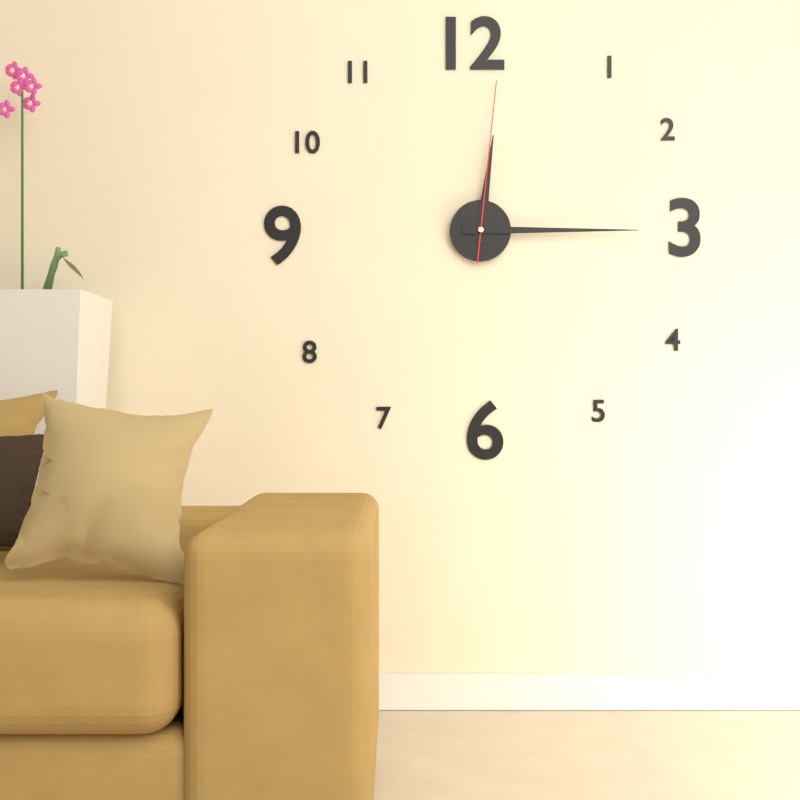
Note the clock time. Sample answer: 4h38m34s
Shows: 12h15m01s
